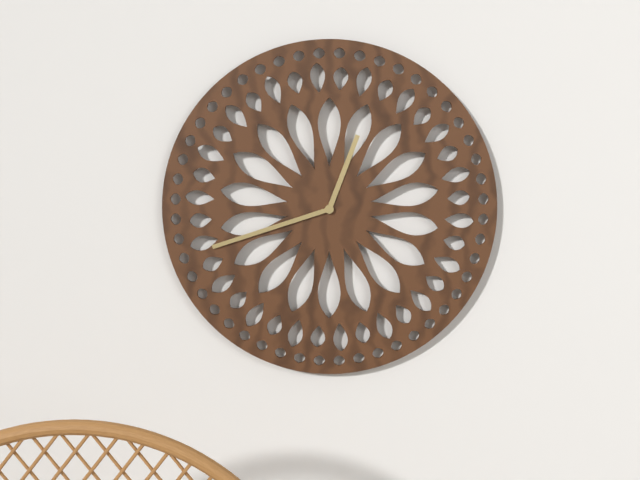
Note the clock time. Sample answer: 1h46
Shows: 12h42
